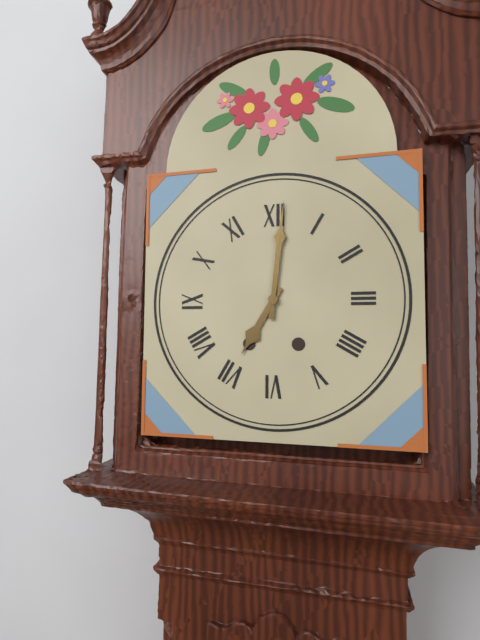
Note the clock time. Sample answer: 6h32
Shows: 7h01
